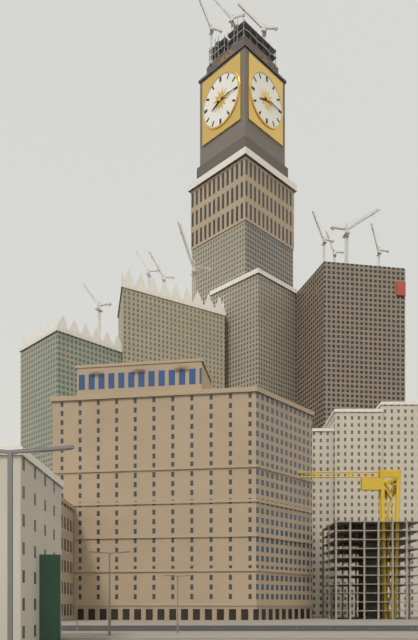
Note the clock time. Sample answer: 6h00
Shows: 8h15
